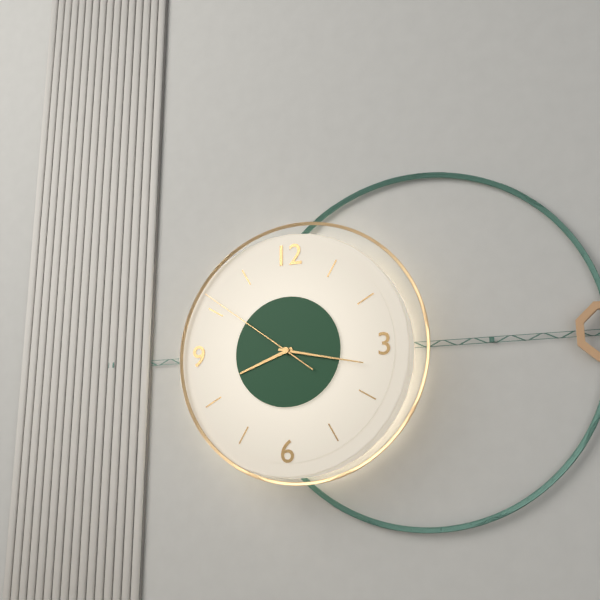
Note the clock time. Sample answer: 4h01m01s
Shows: 8h17m51s
